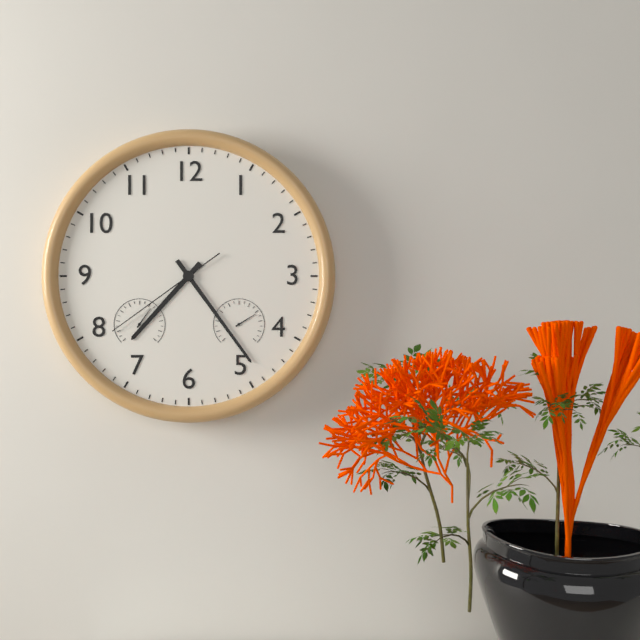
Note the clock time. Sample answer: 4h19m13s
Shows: 7h24m39s
